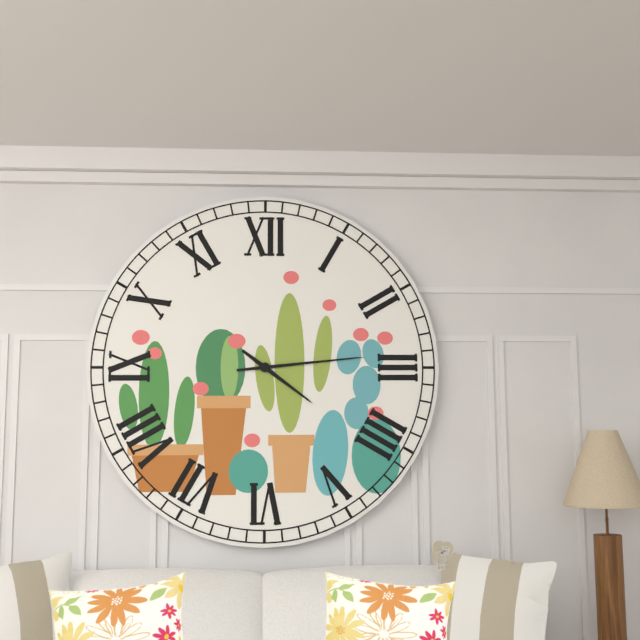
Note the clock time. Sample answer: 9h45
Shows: 4h14
